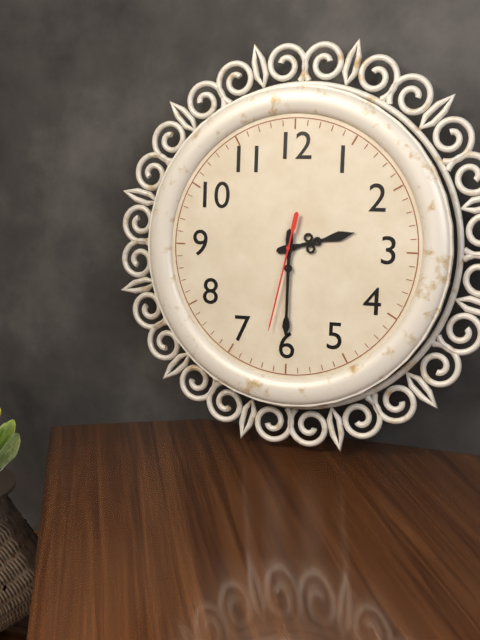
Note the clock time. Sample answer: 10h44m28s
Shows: 2h30m32s
